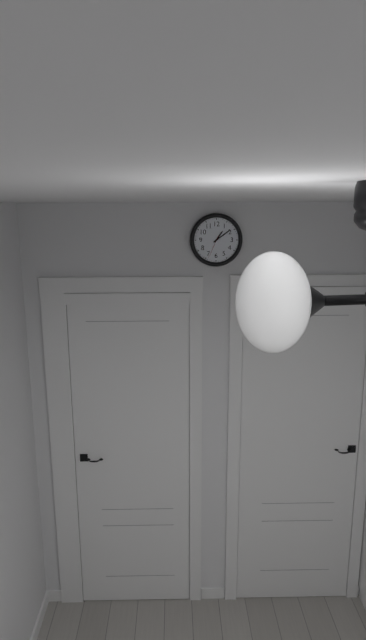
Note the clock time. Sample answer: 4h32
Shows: 1h09
